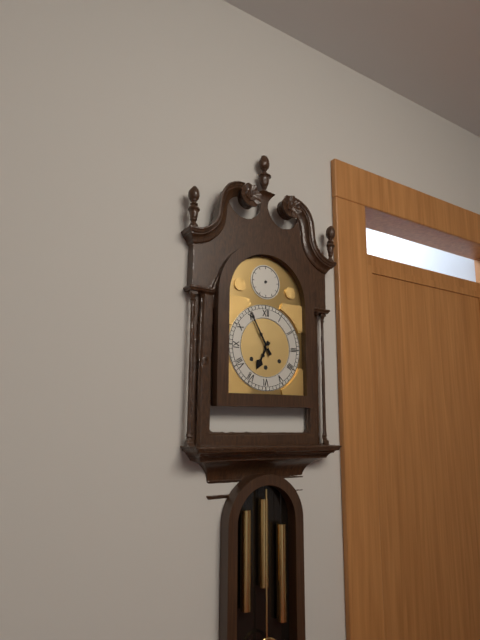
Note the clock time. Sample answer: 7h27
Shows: 6h55
